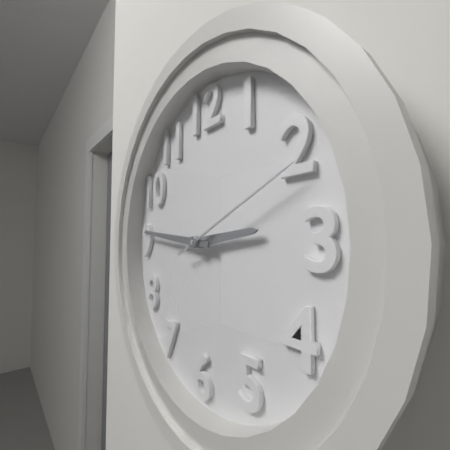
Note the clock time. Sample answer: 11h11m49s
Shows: 2h46m11s
